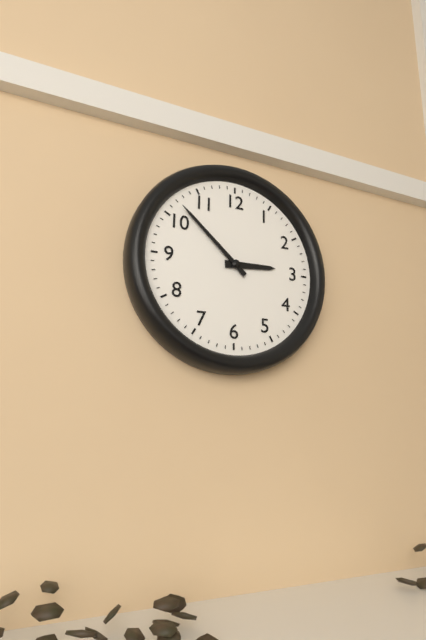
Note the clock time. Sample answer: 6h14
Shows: 2h52
